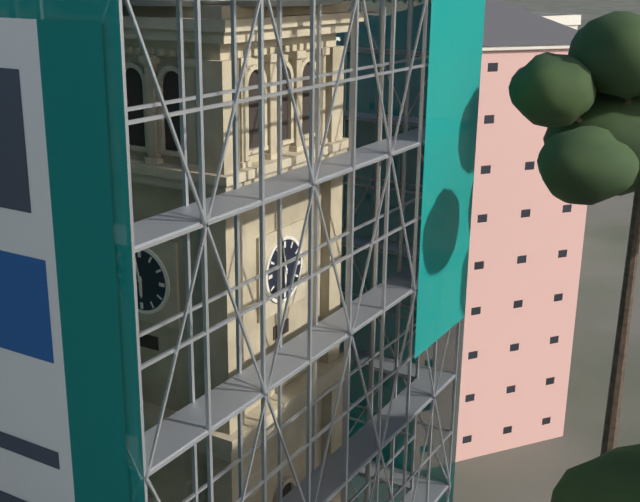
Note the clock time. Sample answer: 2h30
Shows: 5h58
